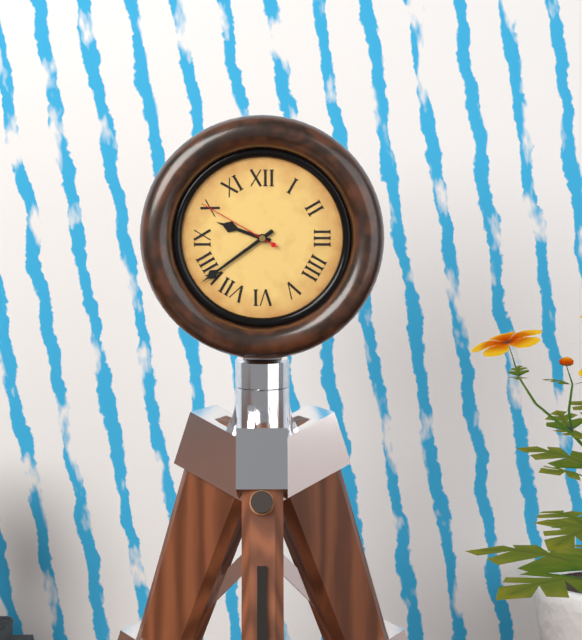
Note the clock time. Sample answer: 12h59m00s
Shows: 9h39m50s
